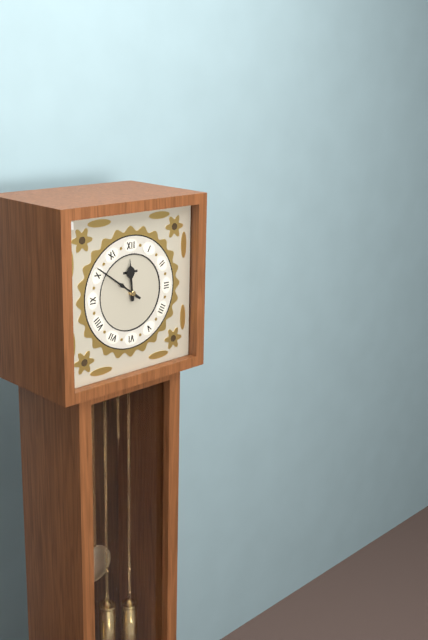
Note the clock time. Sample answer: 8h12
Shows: 11h51
